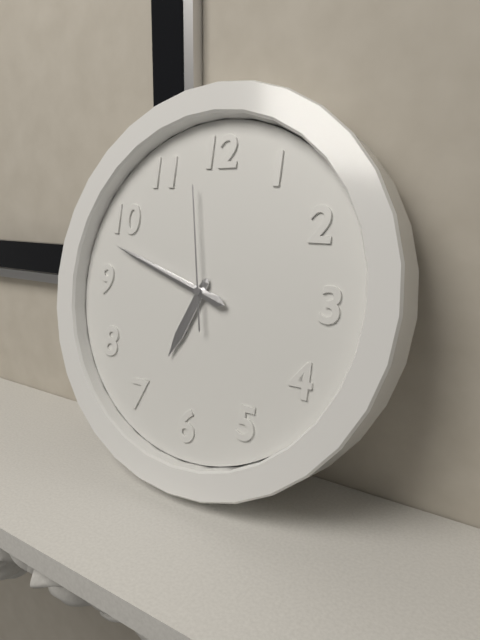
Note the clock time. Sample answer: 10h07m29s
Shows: 6h48m58s
